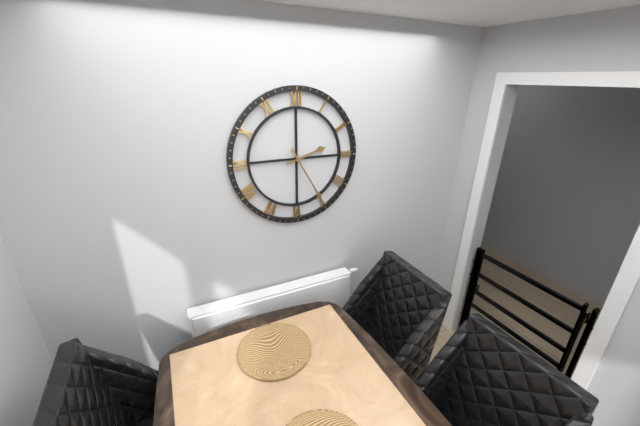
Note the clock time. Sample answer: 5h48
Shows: 2h25
